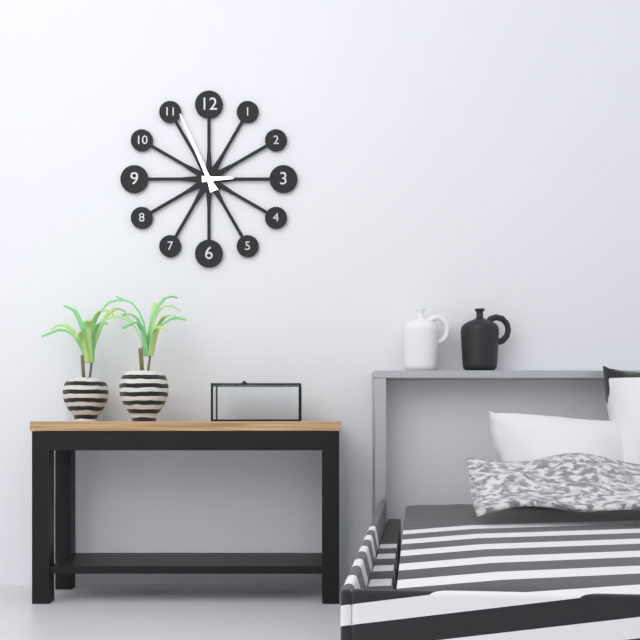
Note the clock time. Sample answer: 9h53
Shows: 2h56
